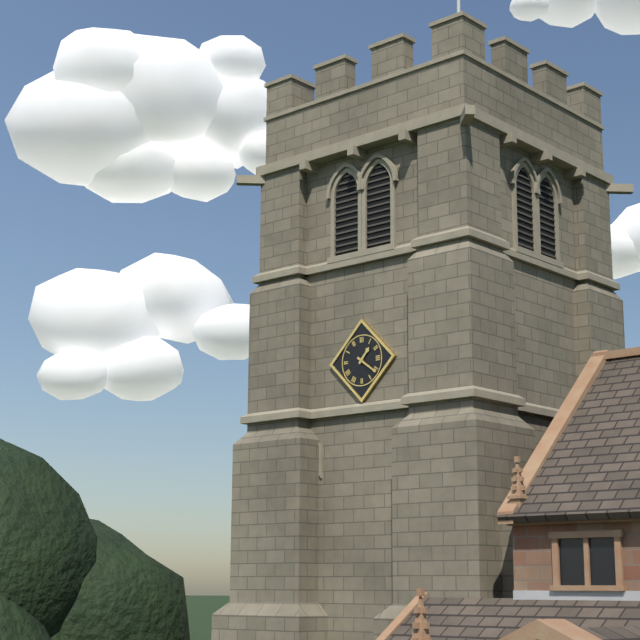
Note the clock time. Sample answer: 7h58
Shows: 1h21
